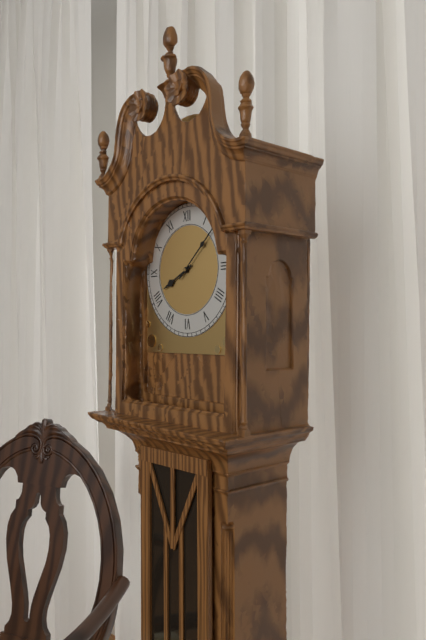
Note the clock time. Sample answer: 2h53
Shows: 8h08
